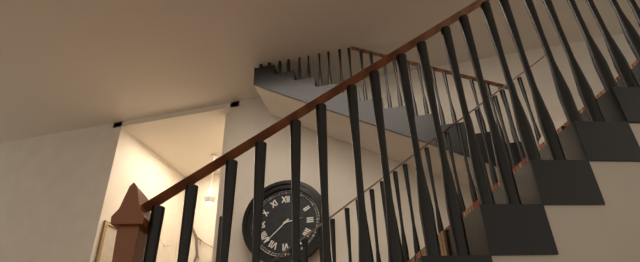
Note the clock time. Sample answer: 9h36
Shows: 2h38
